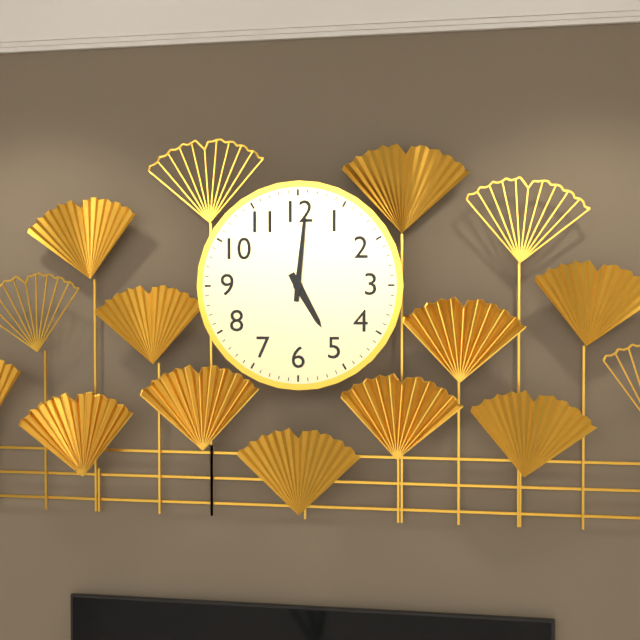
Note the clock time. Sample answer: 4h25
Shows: 5h01
